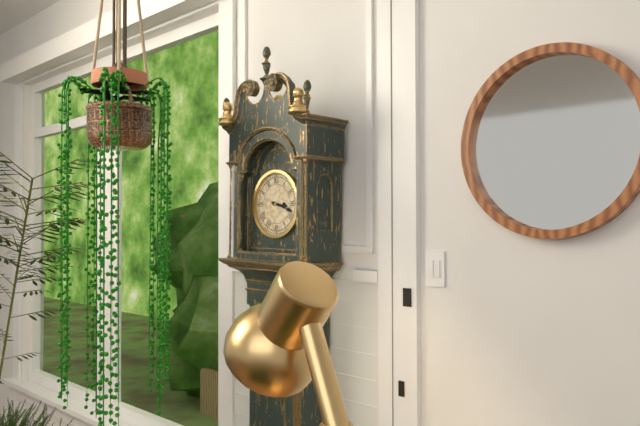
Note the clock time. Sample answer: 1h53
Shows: 3h18
